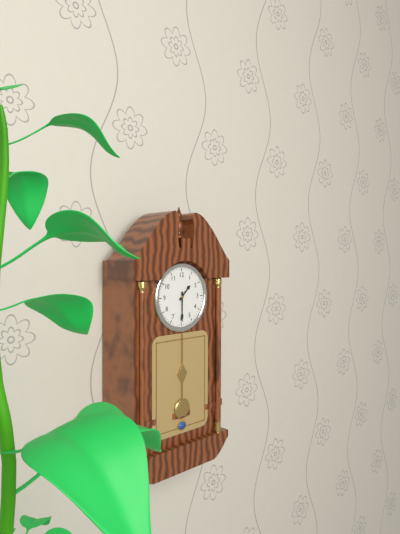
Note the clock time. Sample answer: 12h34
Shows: 1h30
